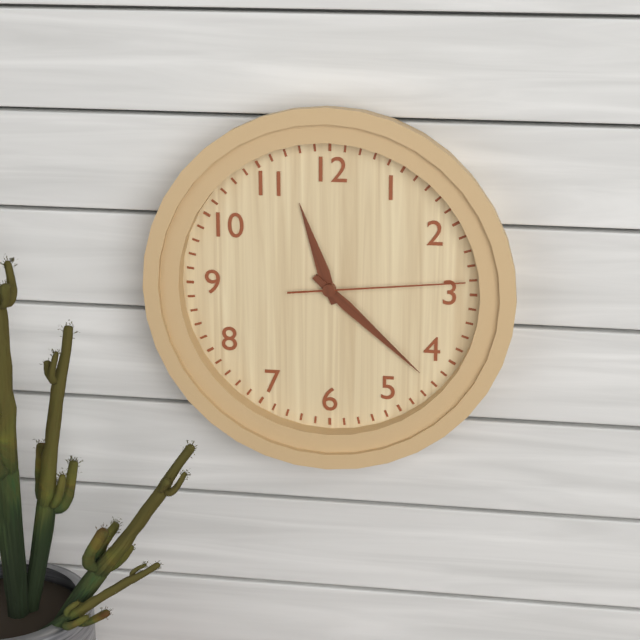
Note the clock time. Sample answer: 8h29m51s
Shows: 11h22m14s
